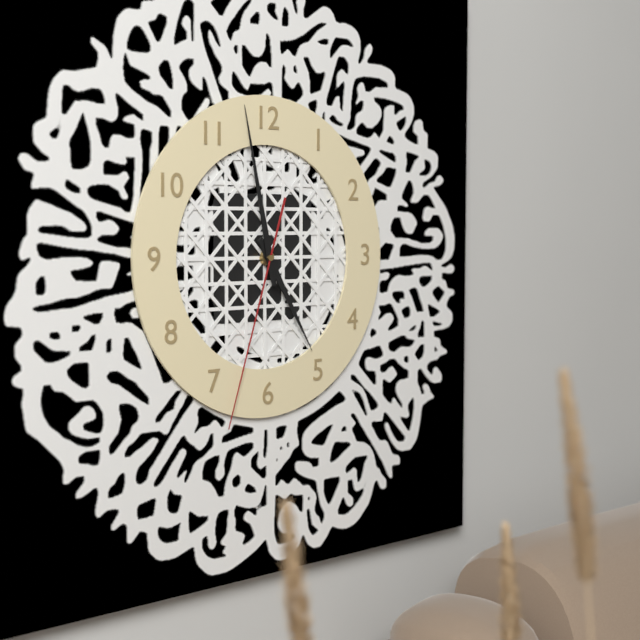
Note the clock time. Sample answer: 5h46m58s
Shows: 4h58m33s
